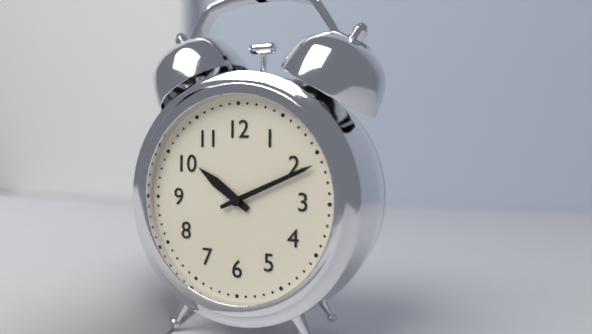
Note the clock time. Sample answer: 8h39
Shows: 10h11
